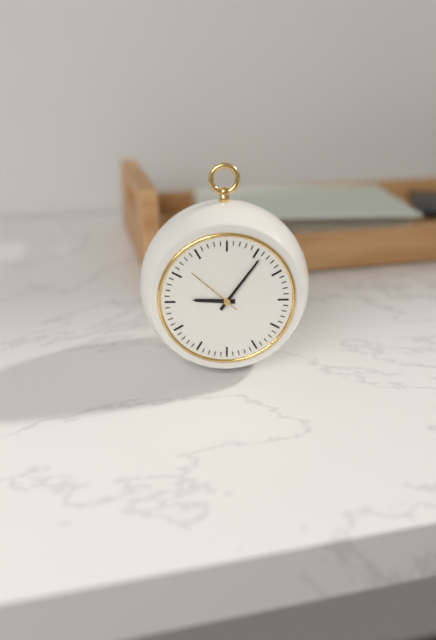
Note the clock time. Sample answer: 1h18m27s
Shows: 9h06m52s
